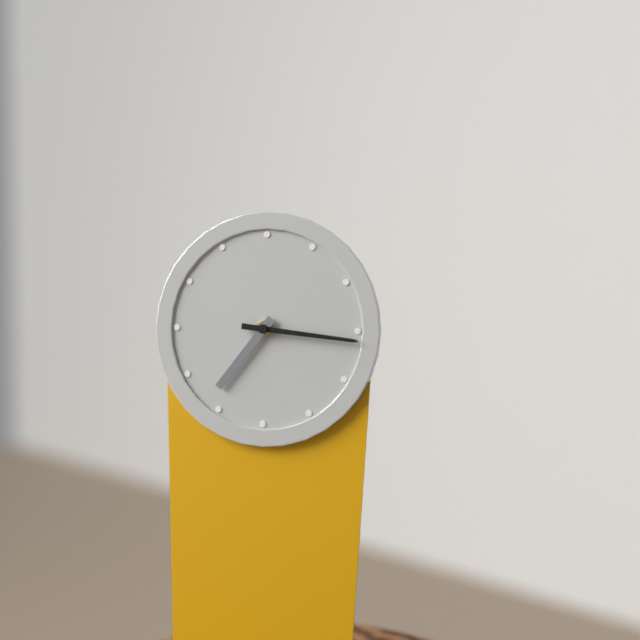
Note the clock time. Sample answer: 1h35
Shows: 7h16
